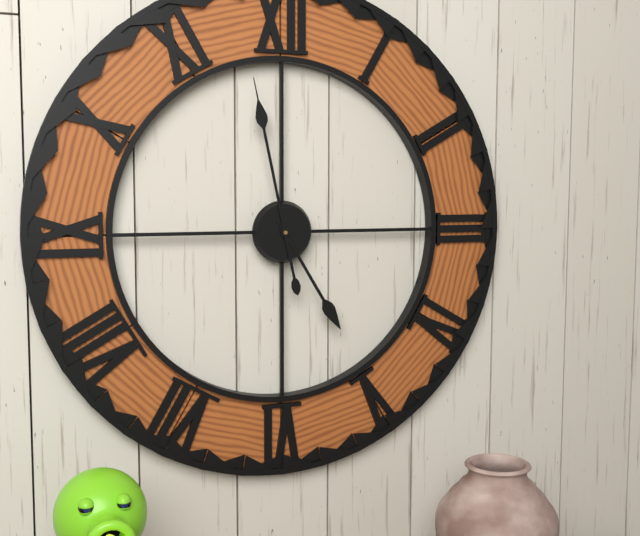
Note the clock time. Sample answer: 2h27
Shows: 4h58
